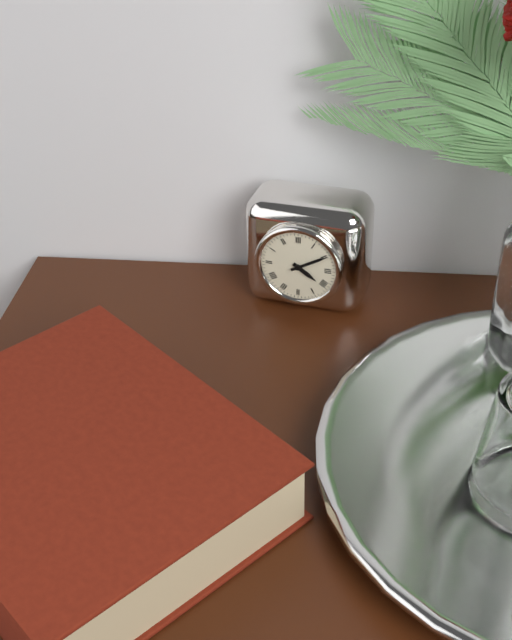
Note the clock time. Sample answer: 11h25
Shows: 4h10
